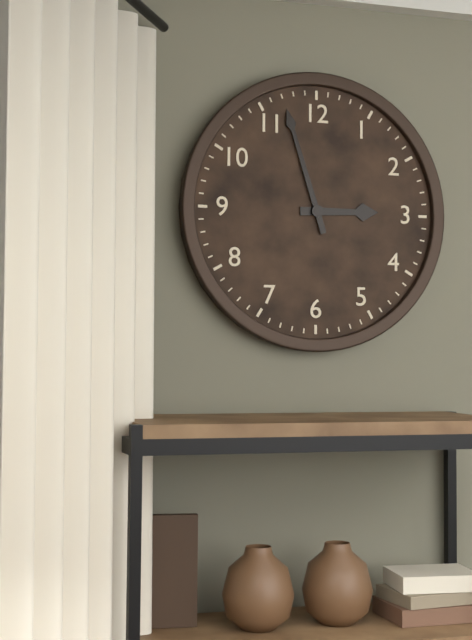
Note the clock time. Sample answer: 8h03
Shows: 2h57
